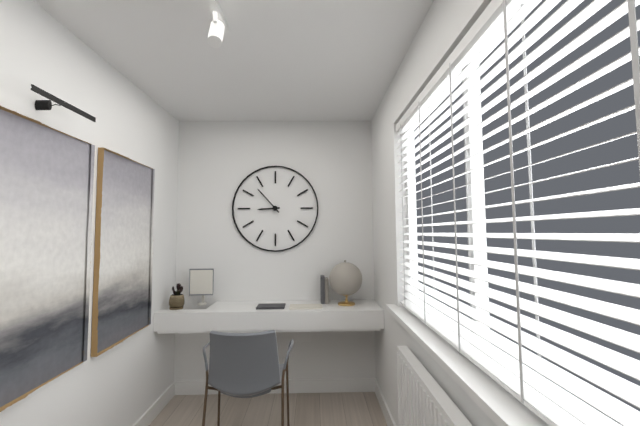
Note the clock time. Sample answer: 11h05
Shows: 8h53
